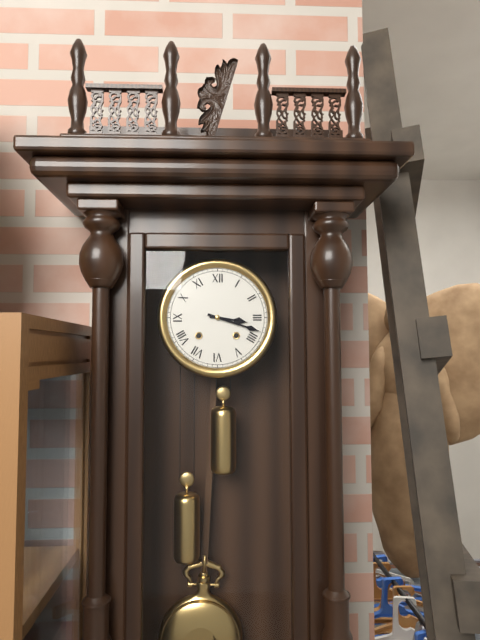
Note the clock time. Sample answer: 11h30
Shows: 3h18
